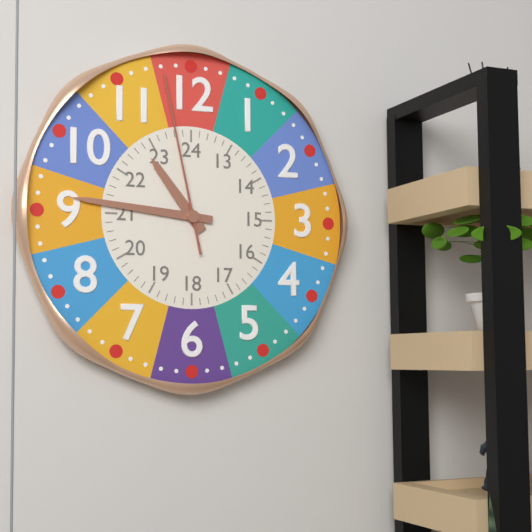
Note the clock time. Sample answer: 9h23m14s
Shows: 10h46m58s
